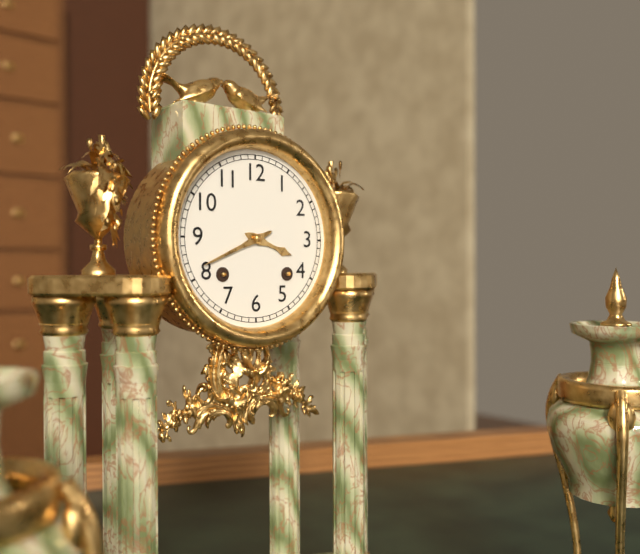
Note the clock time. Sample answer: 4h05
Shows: 3h41
